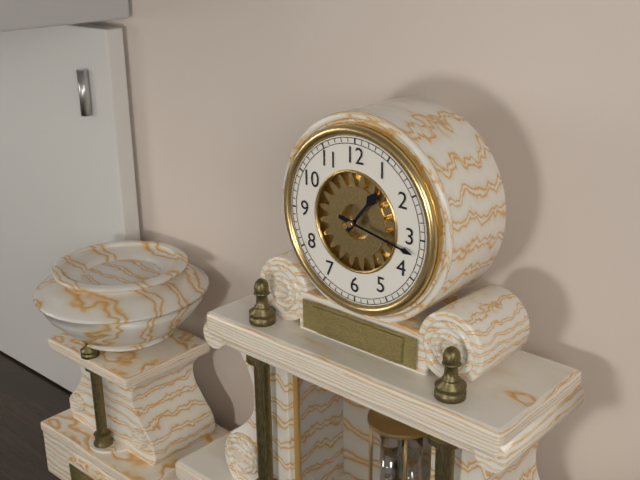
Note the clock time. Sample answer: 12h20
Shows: 1h17
